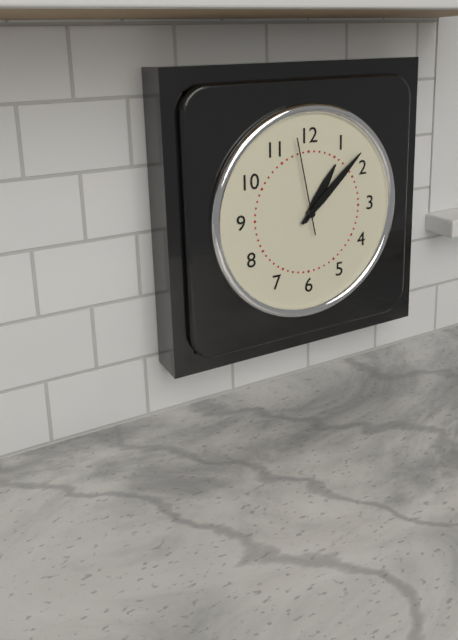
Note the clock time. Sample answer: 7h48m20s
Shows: 1h08m58s
